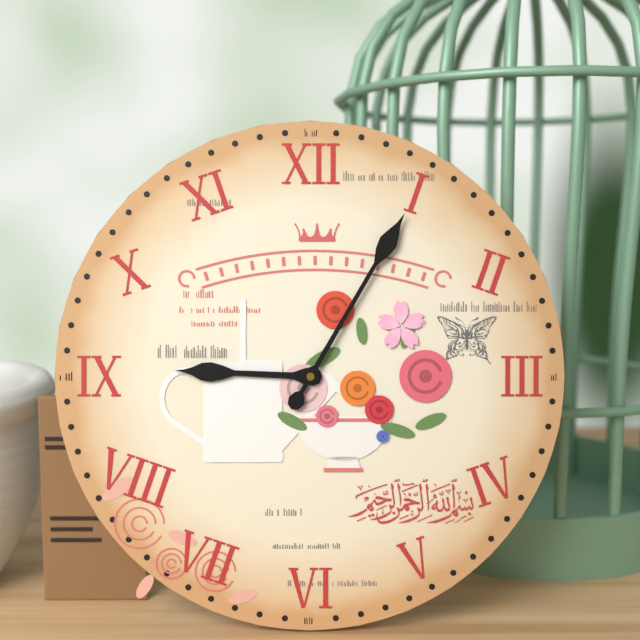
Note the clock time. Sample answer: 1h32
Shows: 9h05
